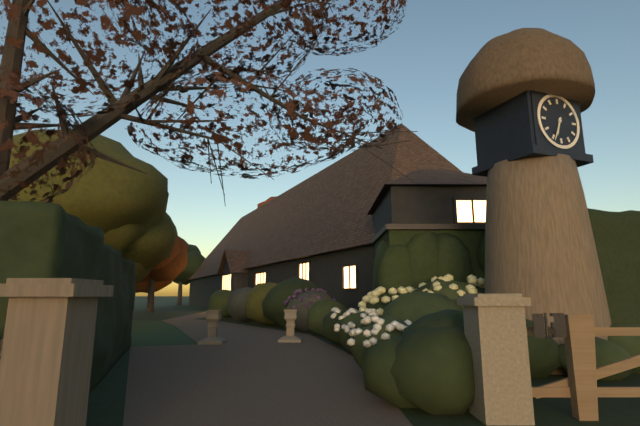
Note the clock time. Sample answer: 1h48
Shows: 6h34
